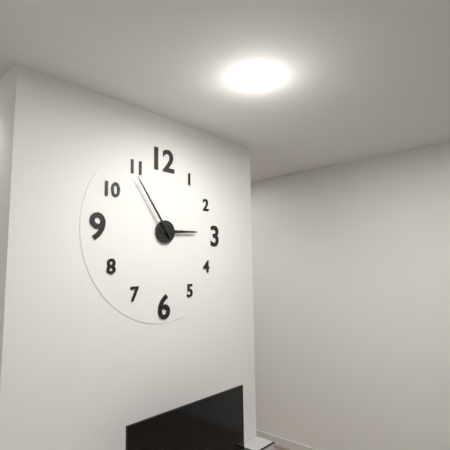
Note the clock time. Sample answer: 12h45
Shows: 2h54
